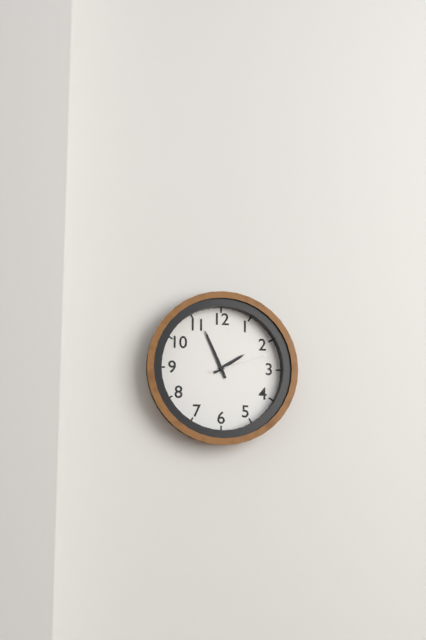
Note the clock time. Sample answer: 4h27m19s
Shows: 1h56m12s
